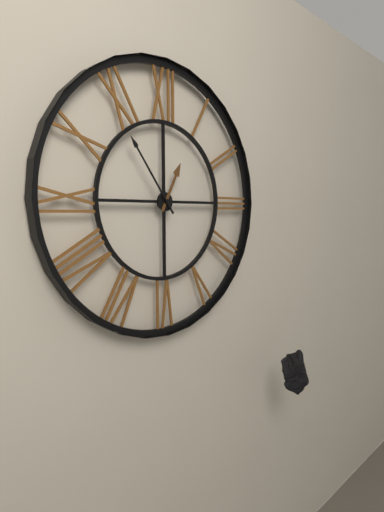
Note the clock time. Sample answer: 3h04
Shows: 12h54
